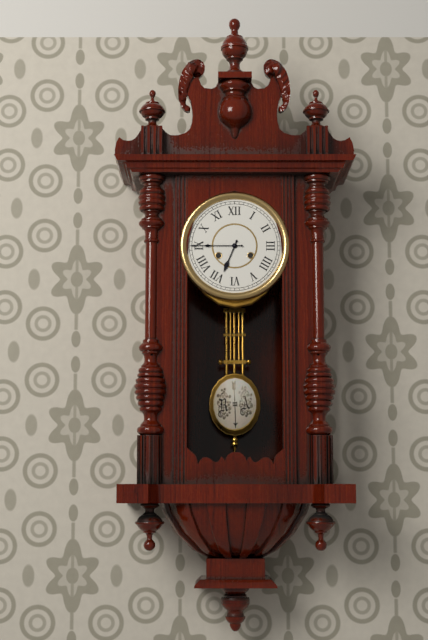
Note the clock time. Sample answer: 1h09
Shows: 6h45
